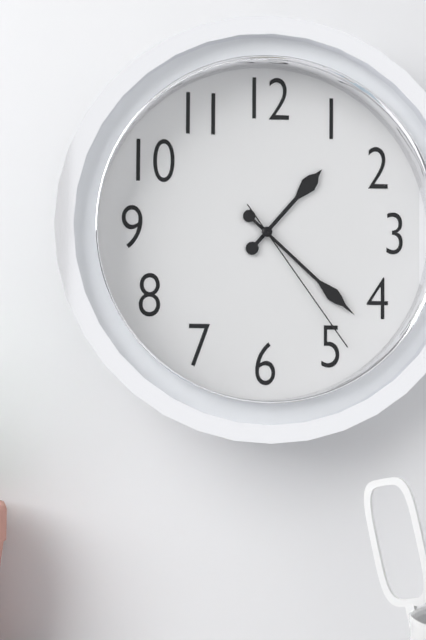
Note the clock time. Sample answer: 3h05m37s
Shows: 1h22m24s
